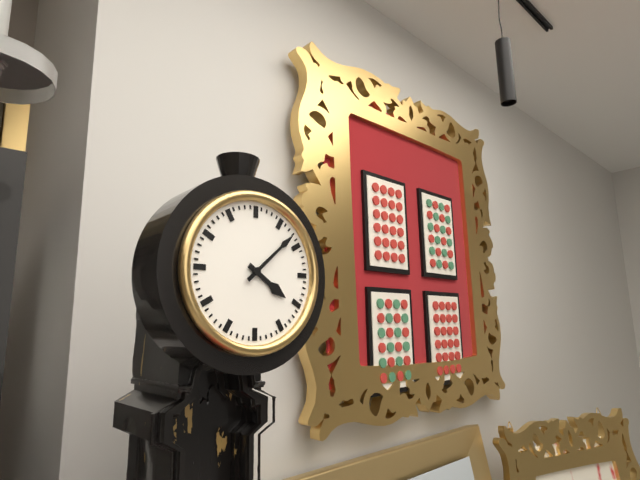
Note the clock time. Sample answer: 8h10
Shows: 4h08
